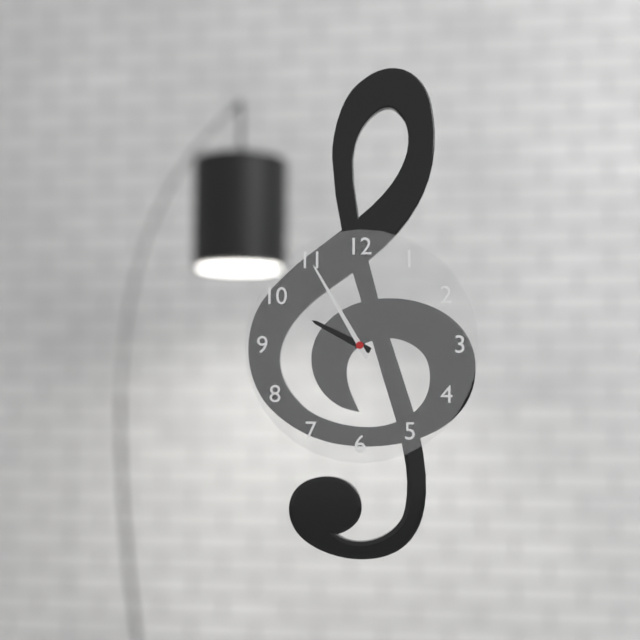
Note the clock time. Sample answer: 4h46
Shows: 9h55
